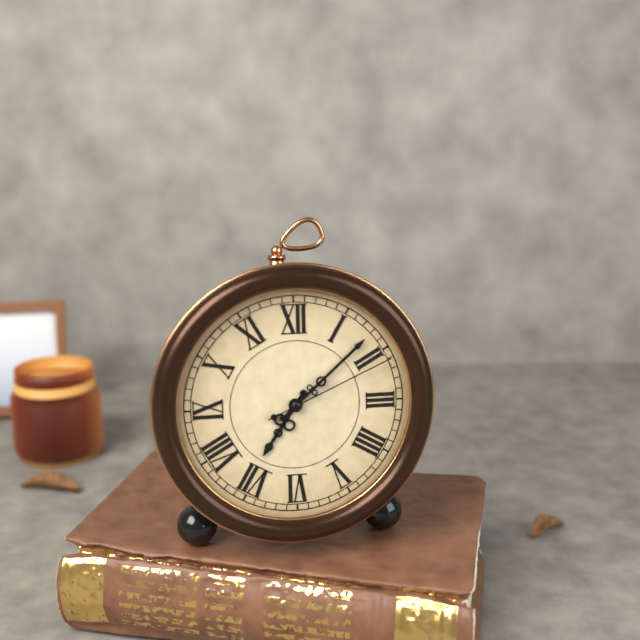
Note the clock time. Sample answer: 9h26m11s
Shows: 7h08m11s
